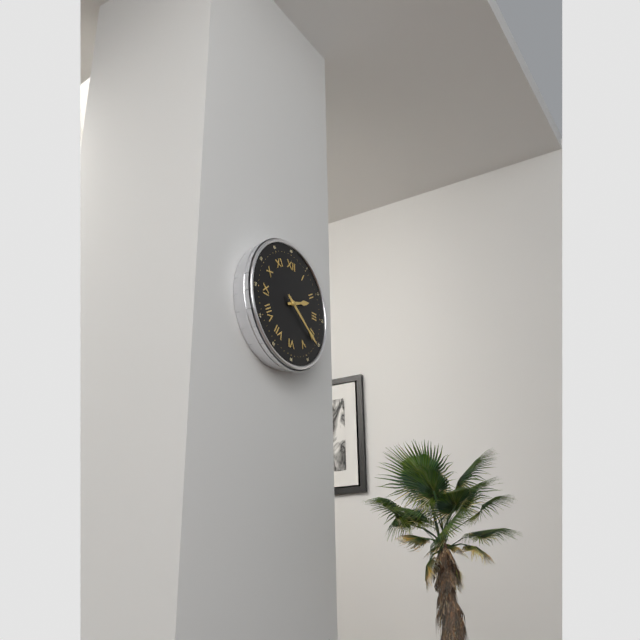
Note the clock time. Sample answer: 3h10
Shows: 2h21
